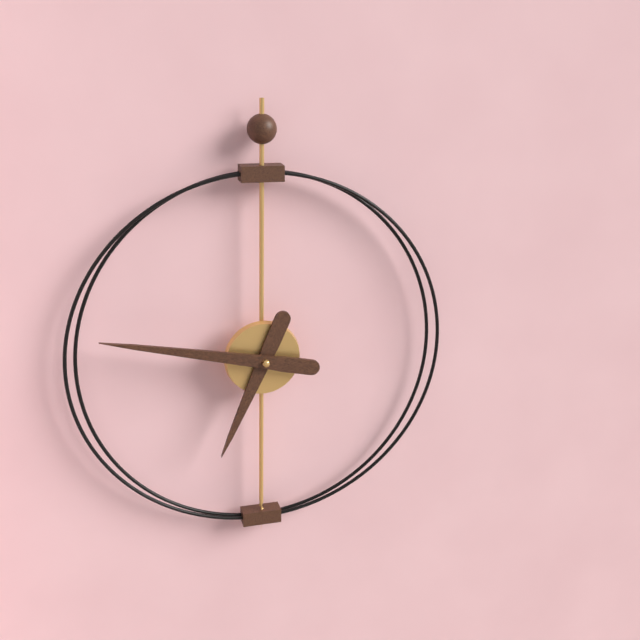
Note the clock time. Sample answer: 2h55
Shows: 6h47
